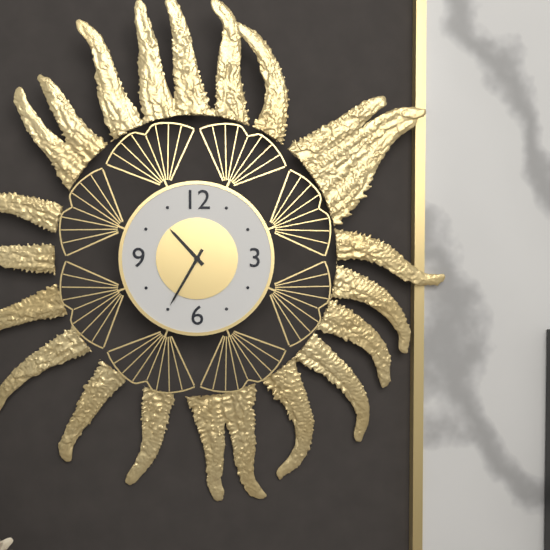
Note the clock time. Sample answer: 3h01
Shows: 10h35
